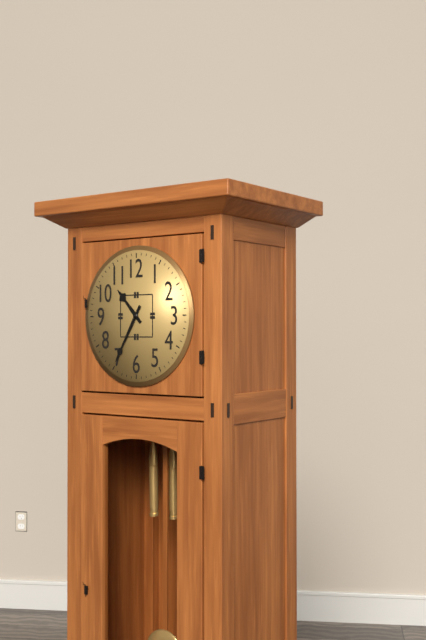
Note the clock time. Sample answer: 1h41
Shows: 10h35
